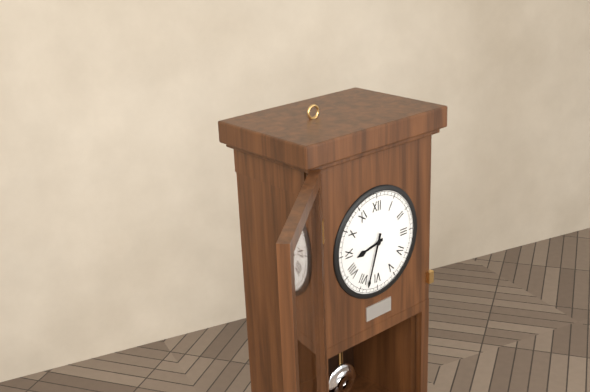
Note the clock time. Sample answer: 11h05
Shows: 8h33
